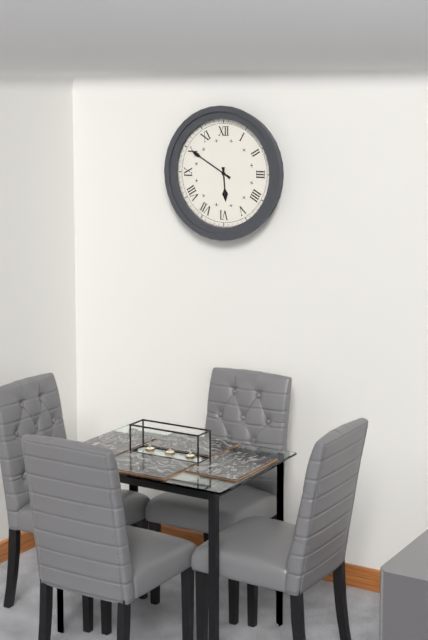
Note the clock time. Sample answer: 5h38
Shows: 5h50
